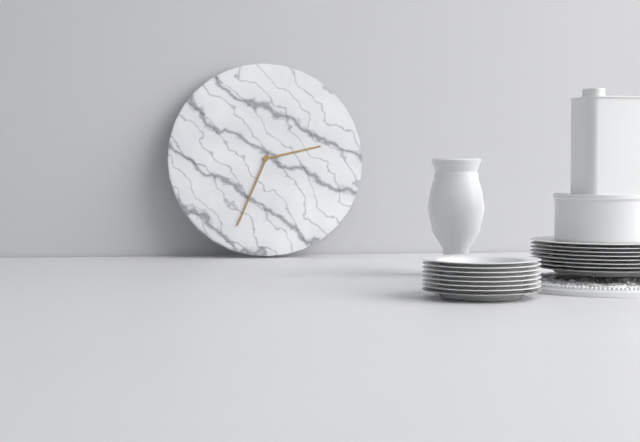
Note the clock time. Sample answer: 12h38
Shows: 2h34
